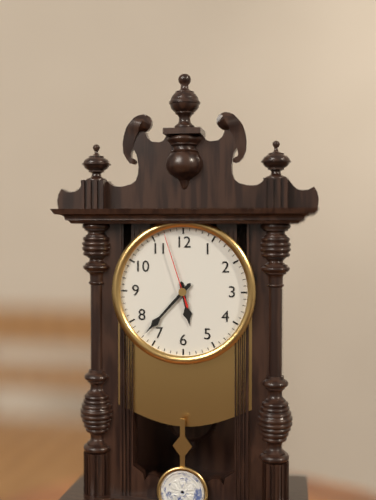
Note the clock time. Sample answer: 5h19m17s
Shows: 5h37m57s
